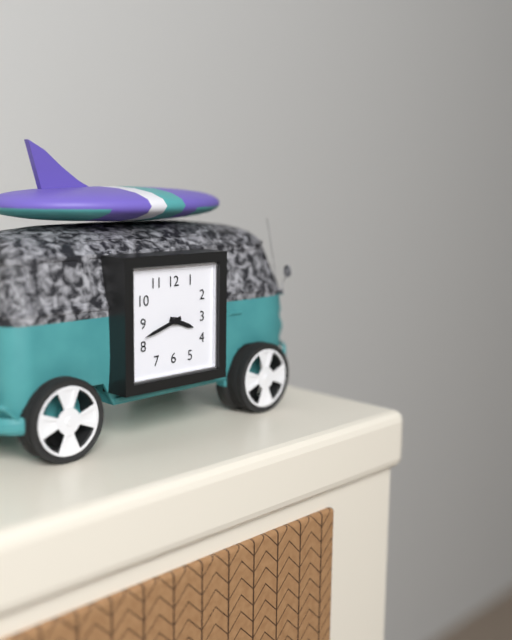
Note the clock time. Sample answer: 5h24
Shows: 3h42
